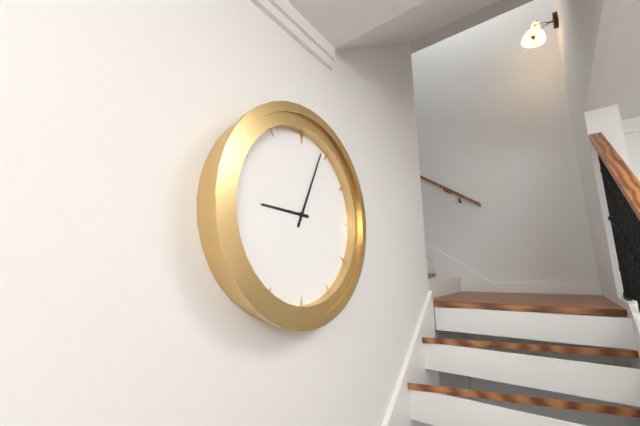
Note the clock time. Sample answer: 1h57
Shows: 9h04
